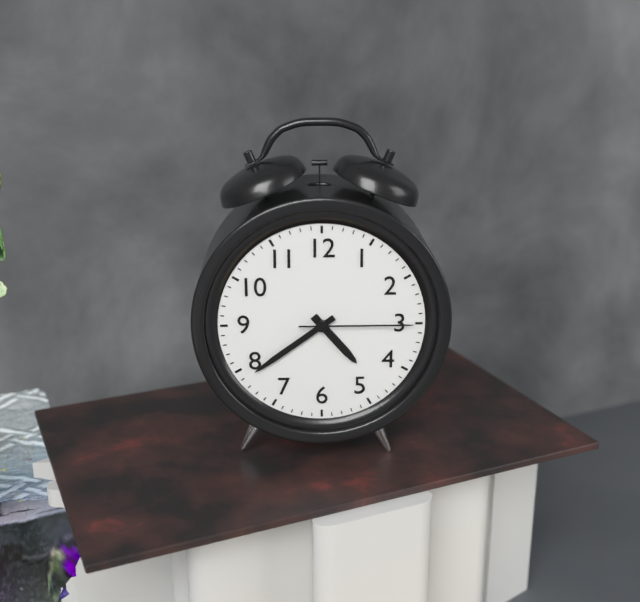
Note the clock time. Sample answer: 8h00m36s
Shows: 4h39m15s
